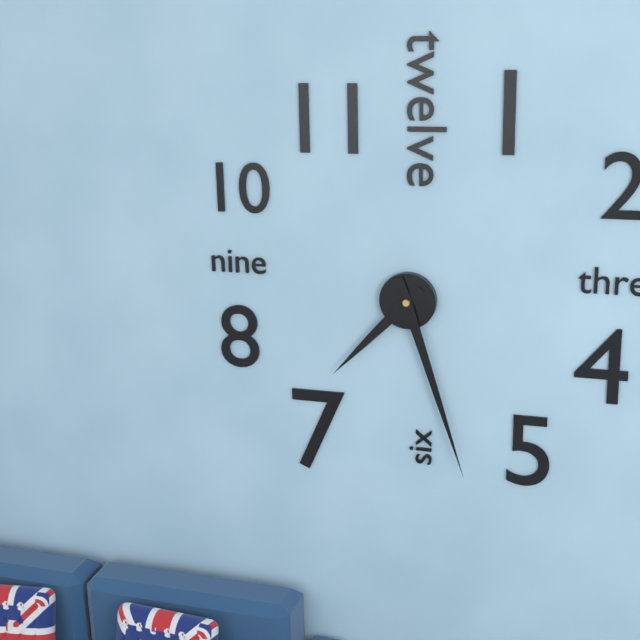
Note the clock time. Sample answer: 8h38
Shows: 7h27
